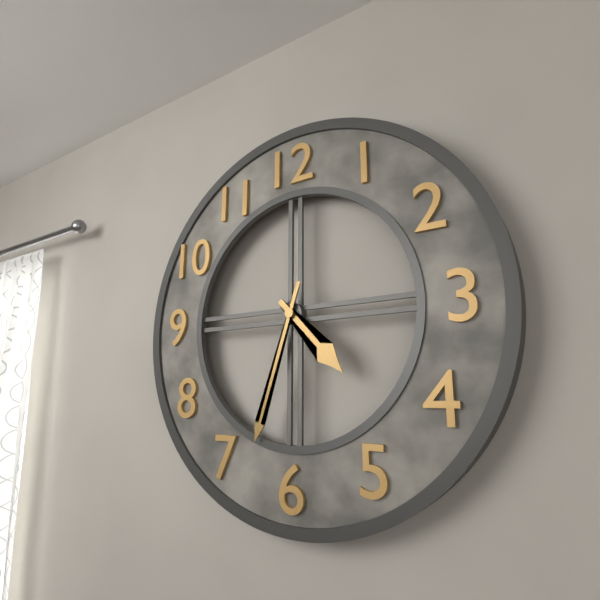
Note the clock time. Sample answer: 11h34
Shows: 4h33
